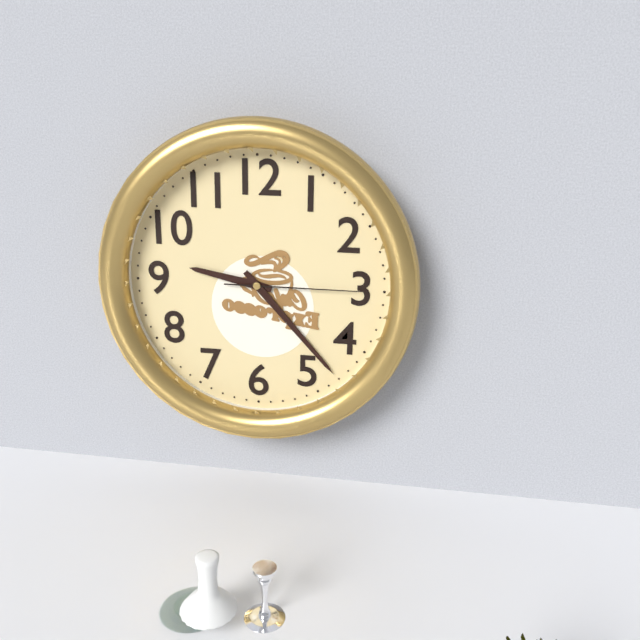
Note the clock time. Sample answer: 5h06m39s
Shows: 9h23m15s
